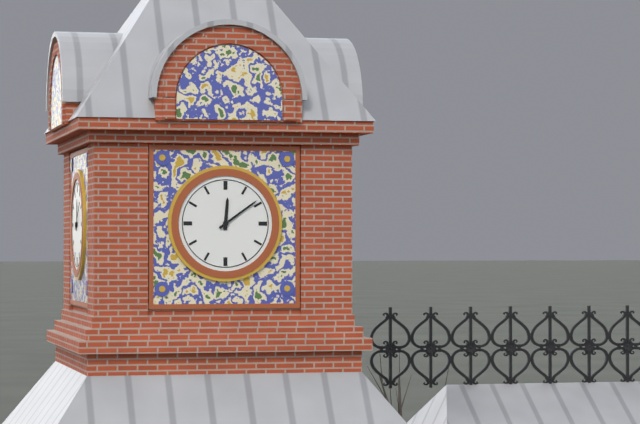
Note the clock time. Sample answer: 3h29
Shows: 12h09
